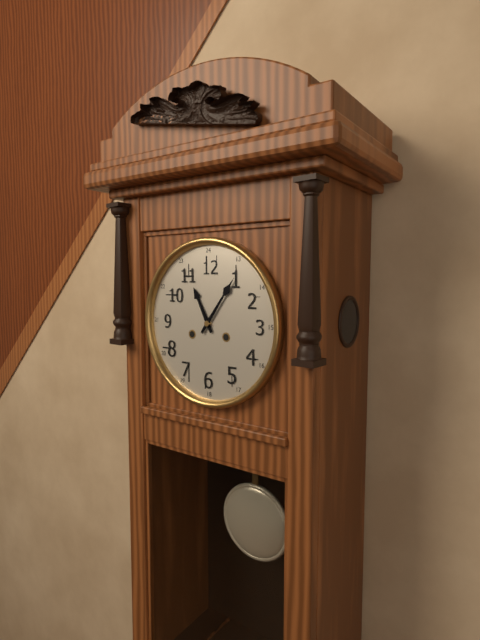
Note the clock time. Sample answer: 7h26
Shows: 11h06
